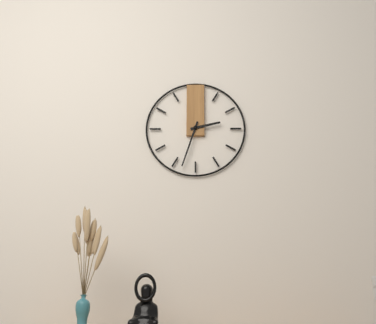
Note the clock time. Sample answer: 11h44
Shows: 2h33
